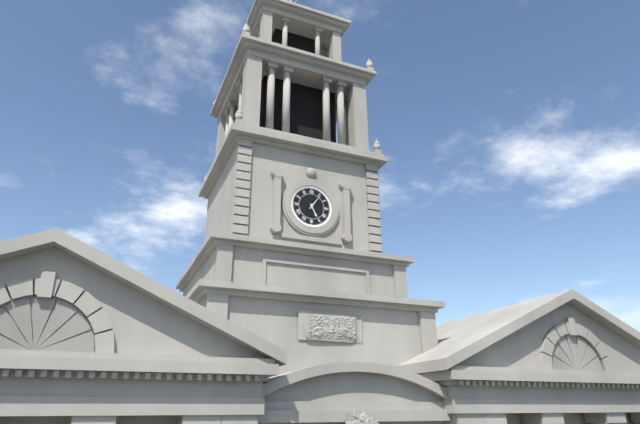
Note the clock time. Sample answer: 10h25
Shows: 5h06
